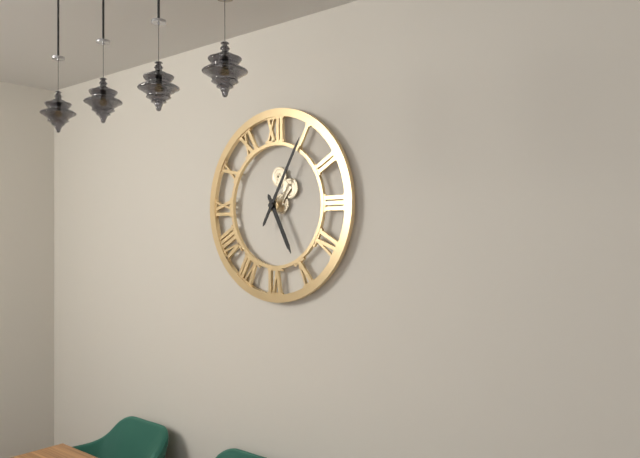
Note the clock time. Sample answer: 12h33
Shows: 5h05
